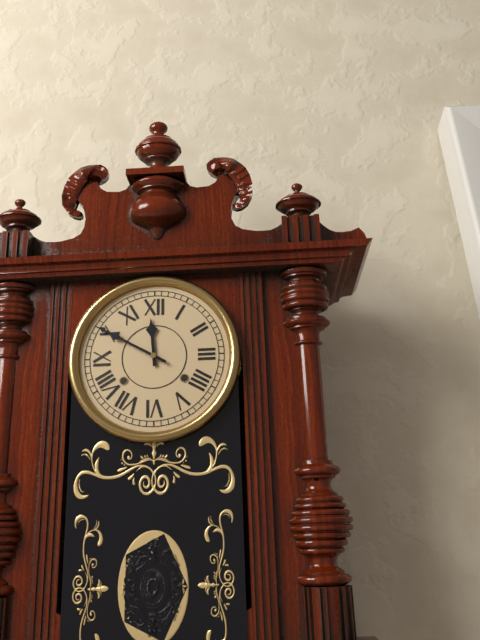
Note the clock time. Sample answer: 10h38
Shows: 11h50
